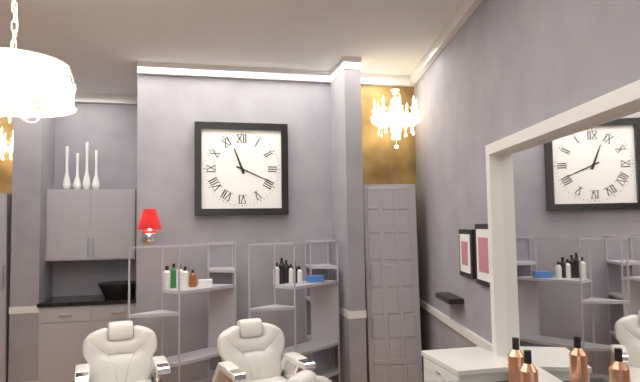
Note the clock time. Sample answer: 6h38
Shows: 11h19
